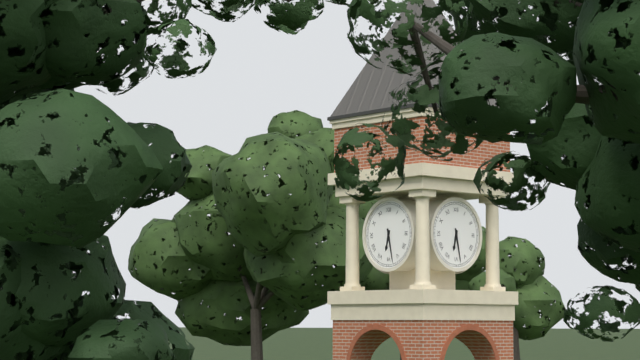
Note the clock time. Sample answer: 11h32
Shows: 6h28
